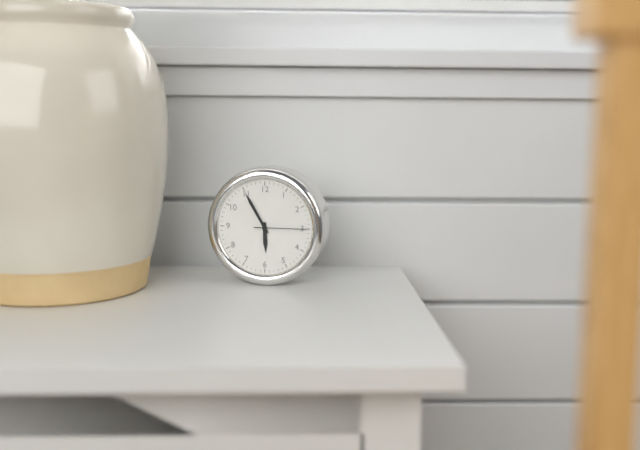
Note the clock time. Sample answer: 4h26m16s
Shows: 5h55m15s
